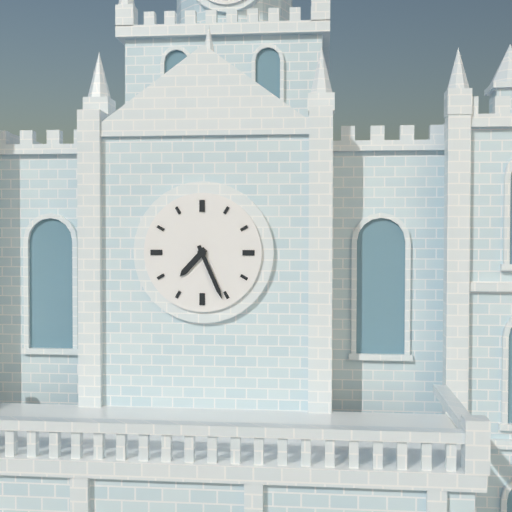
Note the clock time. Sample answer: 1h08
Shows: 7h26
